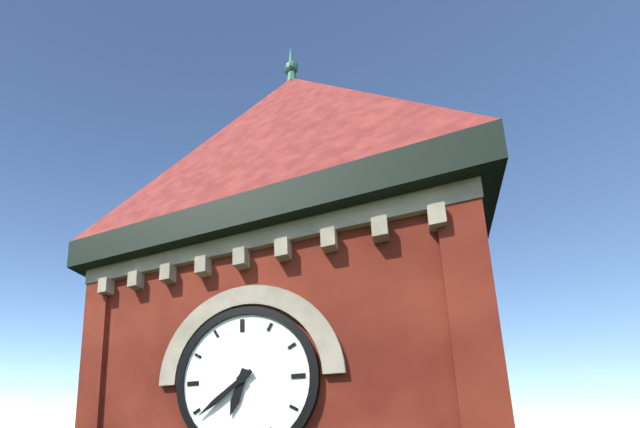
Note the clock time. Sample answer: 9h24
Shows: 6h39
